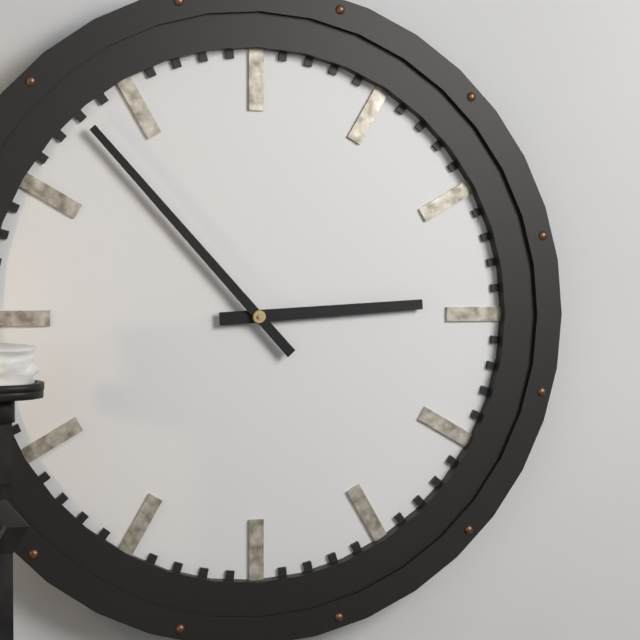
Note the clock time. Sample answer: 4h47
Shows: 2h53
